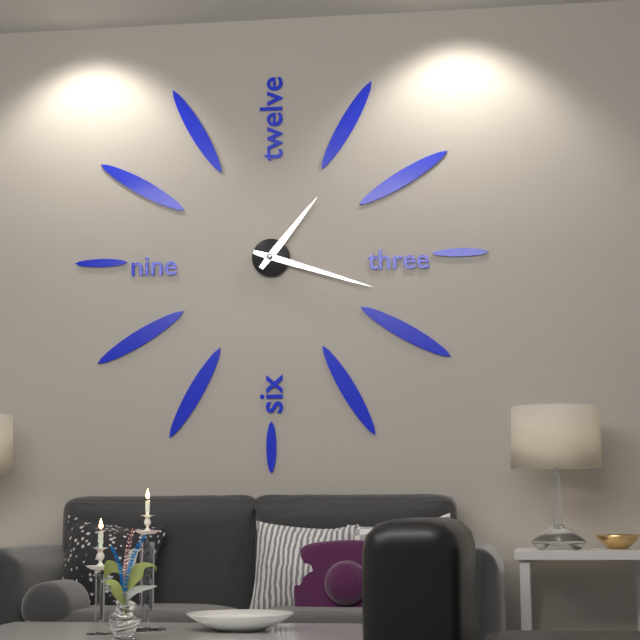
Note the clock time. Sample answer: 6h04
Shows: 1h18
